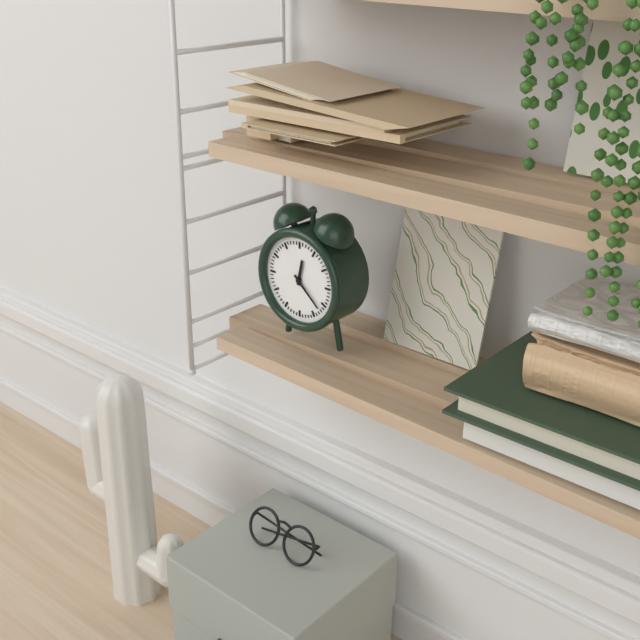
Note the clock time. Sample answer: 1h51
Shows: 12h22
